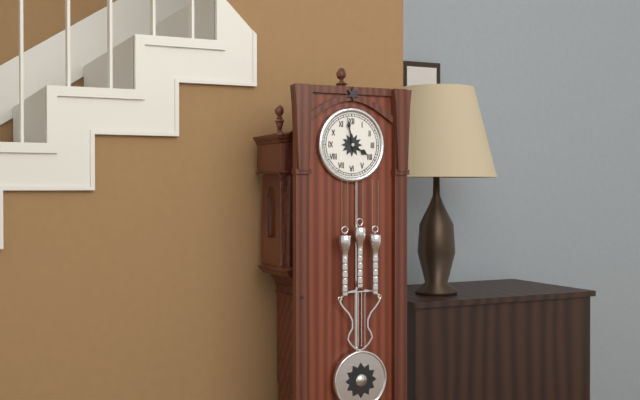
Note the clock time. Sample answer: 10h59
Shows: 3h58
